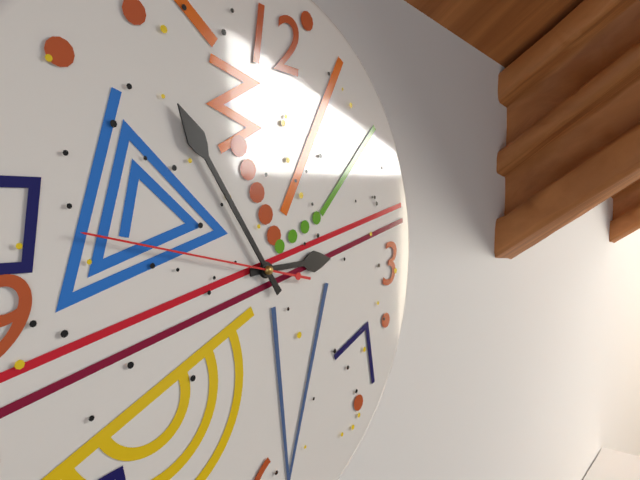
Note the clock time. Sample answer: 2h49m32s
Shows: 2h54m47s
